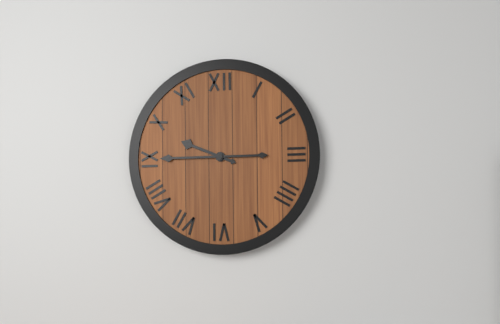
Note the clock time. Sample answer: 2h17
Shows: 9h45
